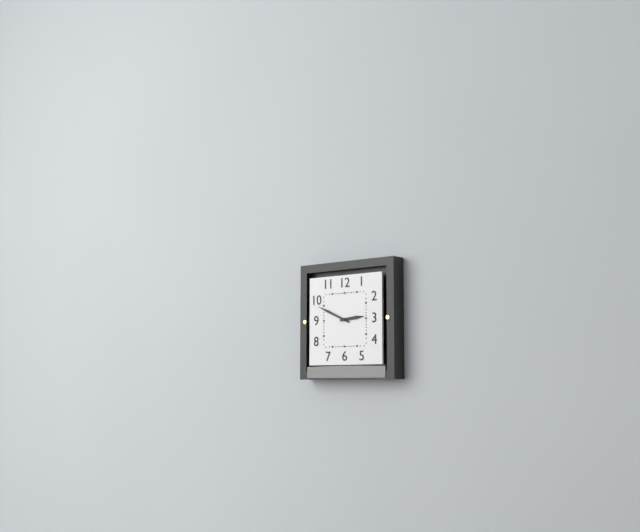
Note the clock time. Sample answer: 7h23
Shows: 2h49
